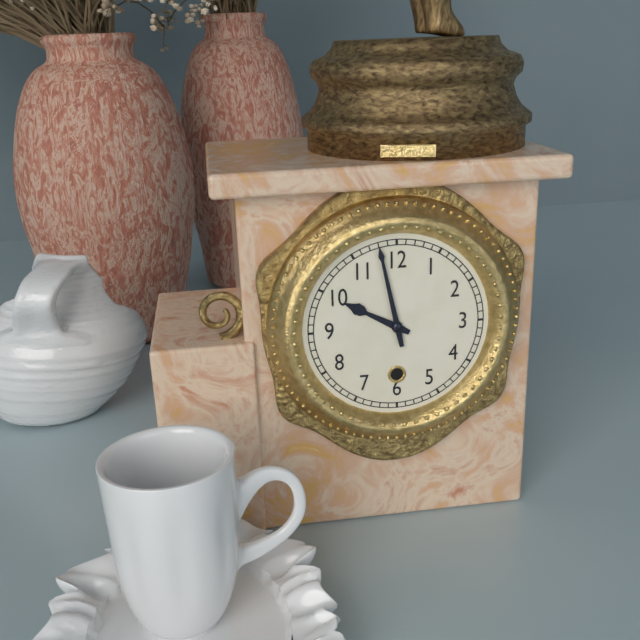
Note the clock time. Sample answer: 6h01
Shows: 9h58
